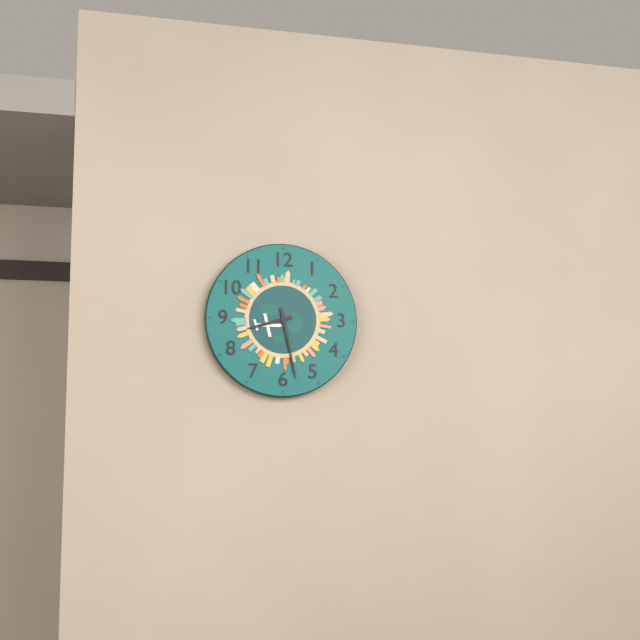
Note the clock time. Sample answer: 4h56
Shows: 8h28
